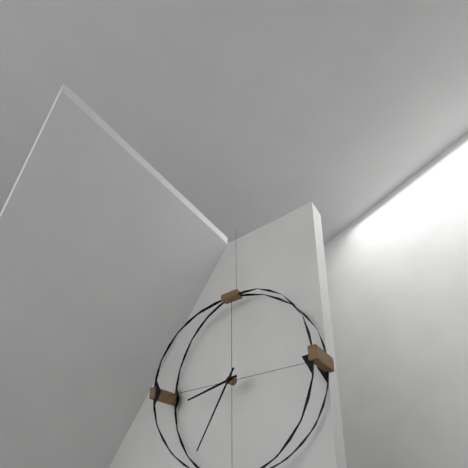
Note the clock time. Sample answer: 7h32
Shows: 8h35
